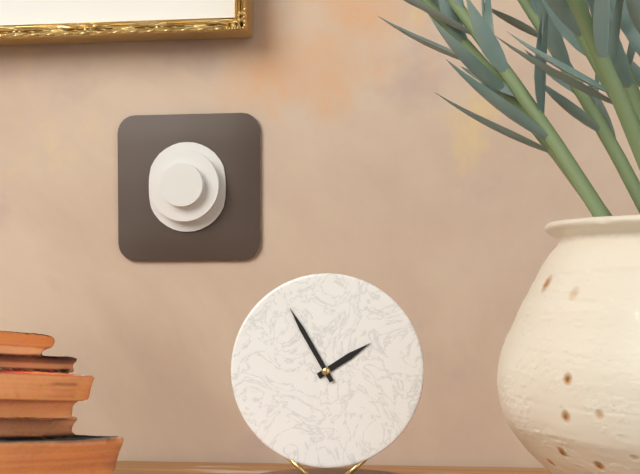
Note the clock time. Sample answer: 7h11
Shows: 1h55
